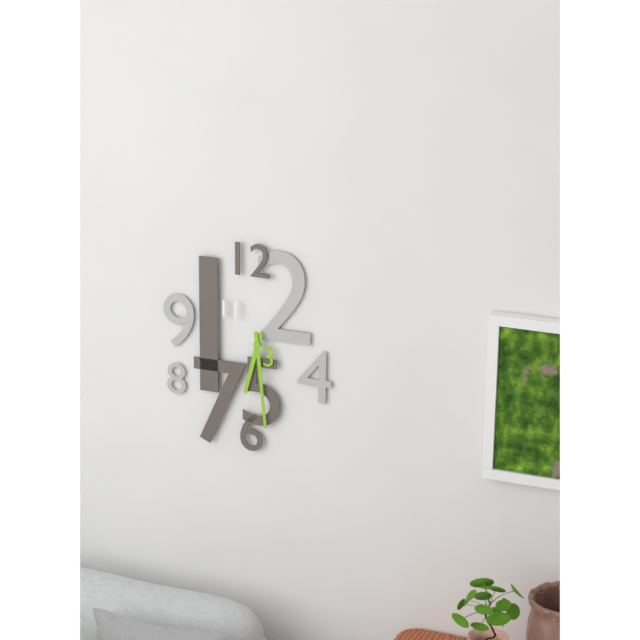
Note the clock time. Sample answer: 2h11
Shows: 6h29
